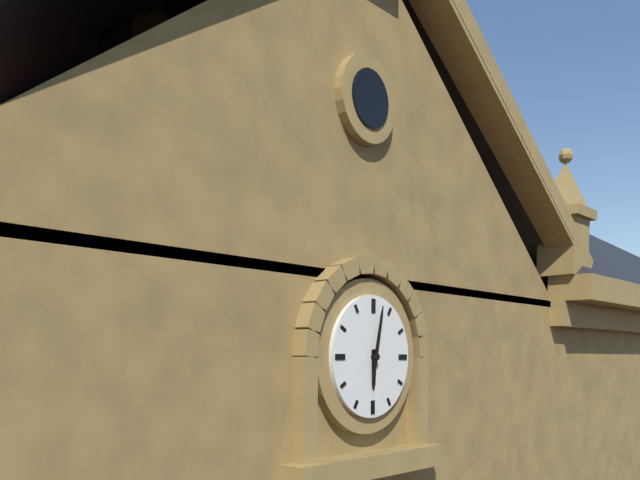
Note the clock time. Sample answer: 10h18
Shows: 6h02
